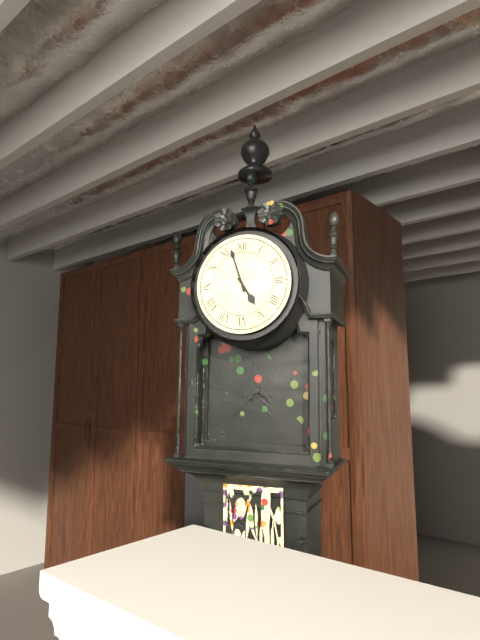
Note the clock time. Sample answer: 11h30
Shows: 4h57
